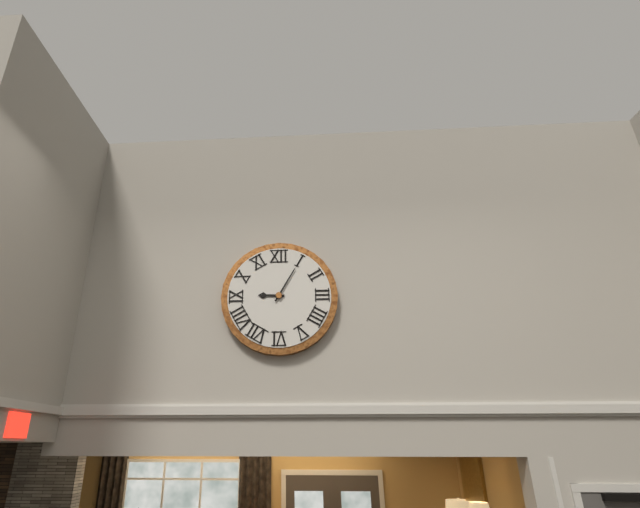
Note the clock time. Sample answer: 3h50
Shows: 9h05
